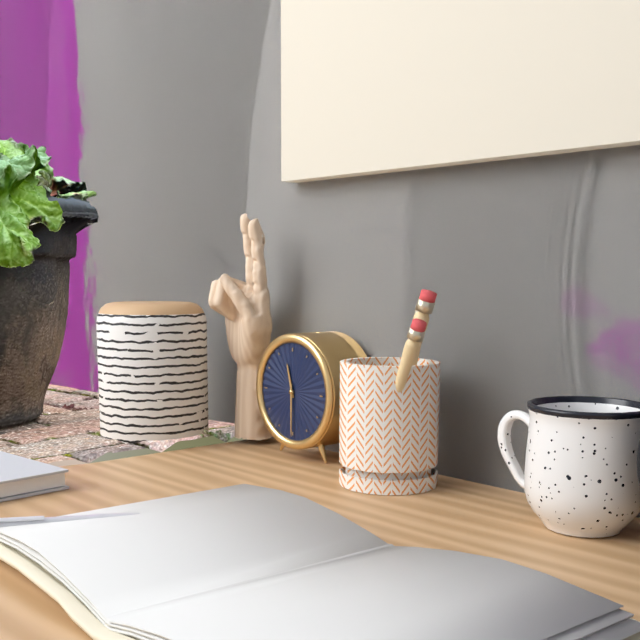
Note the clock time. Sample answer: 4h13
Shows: 11h30
